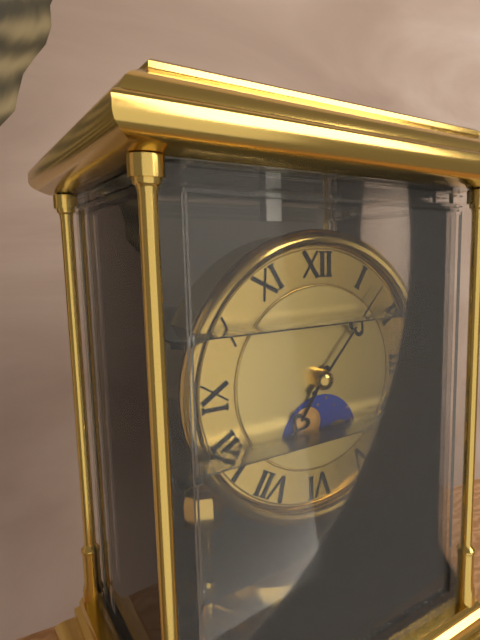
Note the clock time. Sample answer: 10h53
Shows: 7h07
